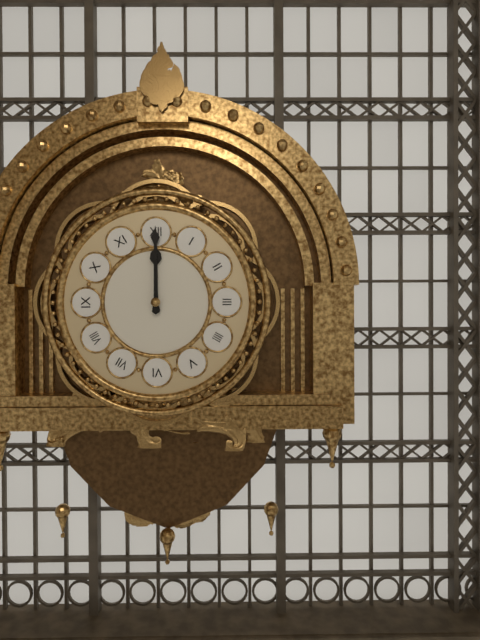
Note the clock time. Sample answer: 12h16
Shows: 12h00
